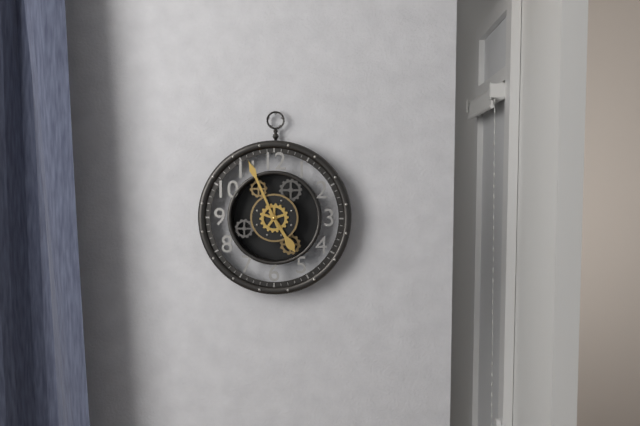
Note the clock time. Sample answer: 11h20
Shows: 4h56
